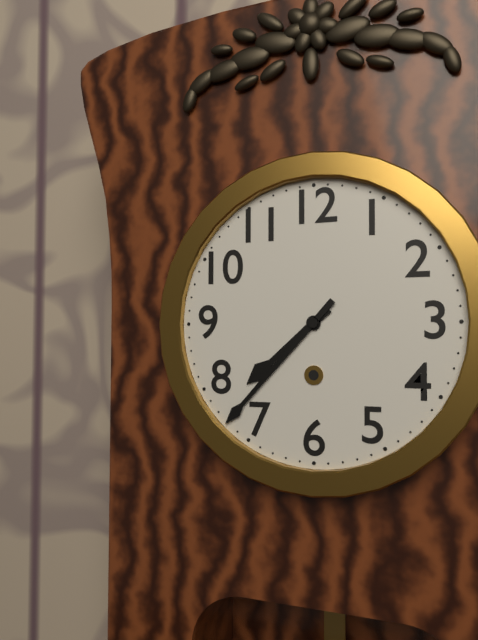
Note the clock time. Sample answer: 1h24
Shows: 7h37
